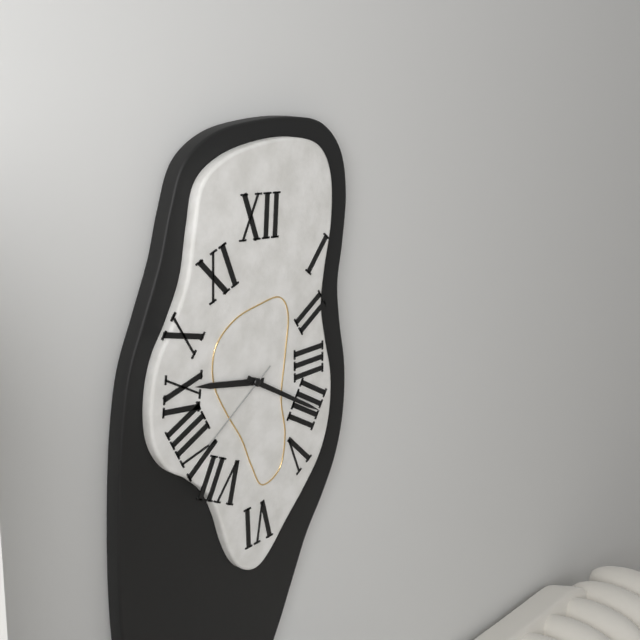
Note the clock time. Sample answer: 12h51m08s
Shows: 9h20m39s
